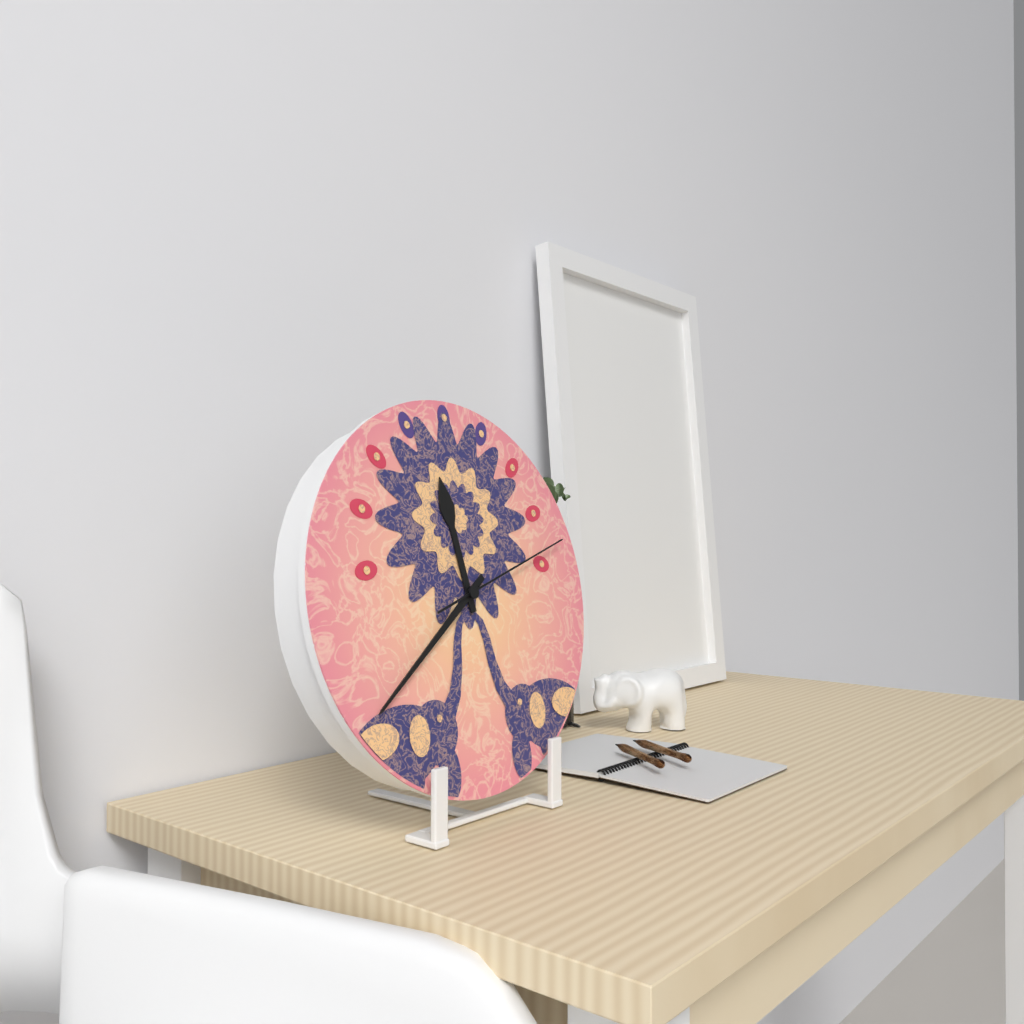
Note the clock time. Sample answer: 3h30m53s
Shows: 11h39m12s
